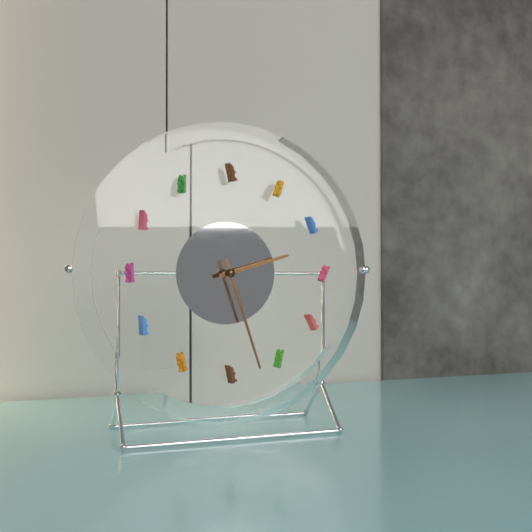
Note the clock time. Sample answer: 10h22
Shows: 2h27
